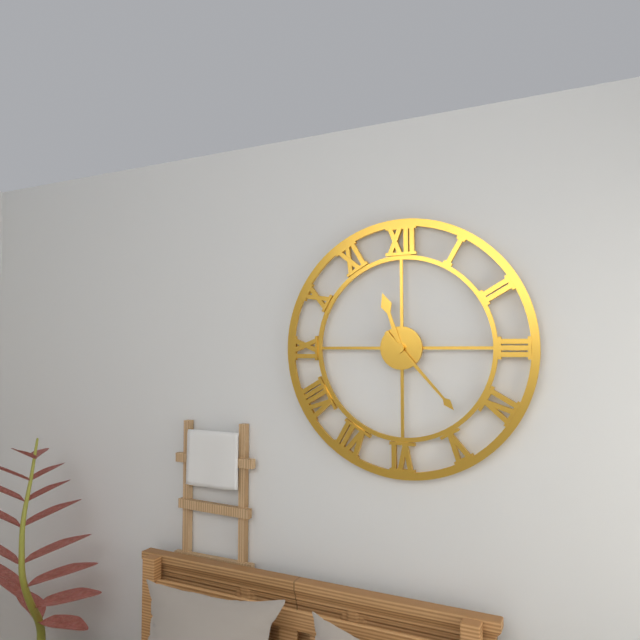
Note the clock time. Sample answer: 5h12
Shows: 11h23
